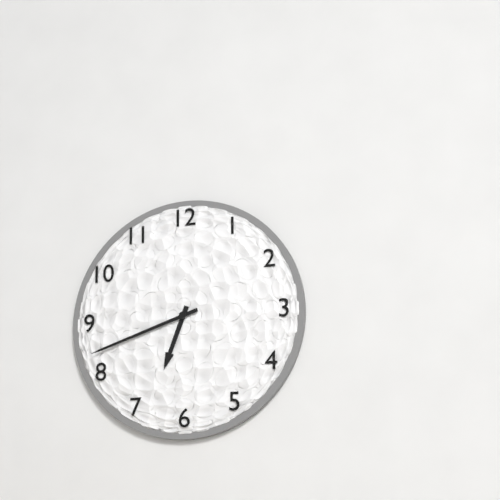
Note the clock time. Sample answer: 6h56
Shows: 6h42
